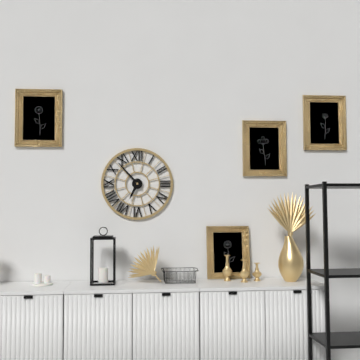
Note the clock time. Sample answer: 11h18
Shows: 6h53
